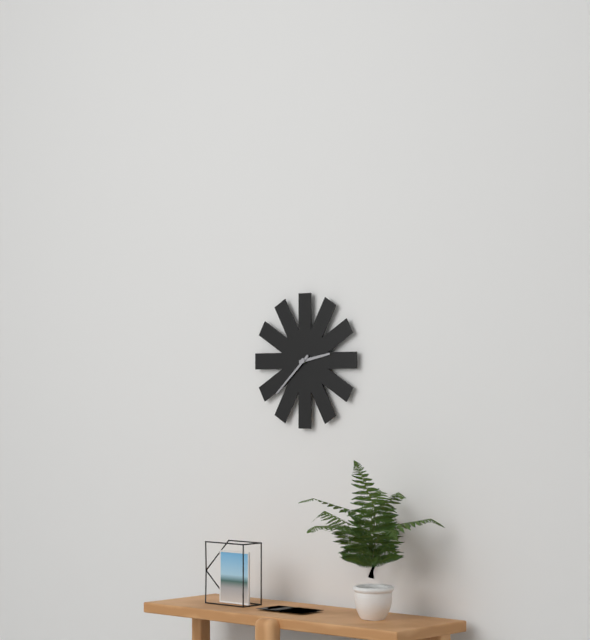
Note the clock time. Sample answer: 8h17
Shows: 2h38
